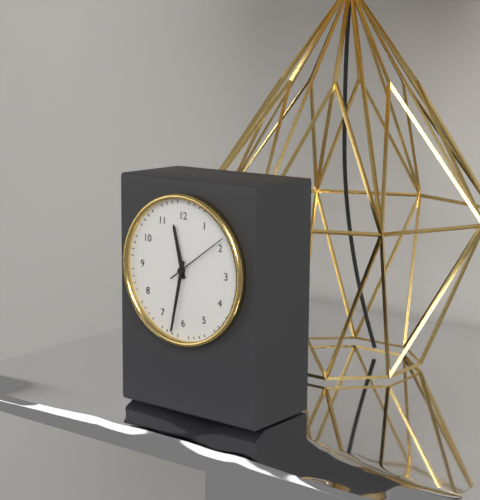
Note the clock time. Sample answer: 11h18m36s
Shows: 11h32m09s
